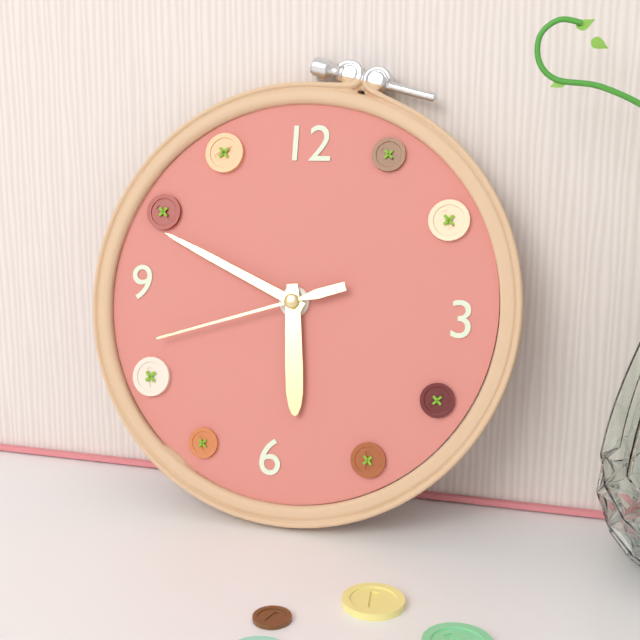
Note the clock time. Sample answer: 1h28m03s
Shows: 5h49m42s
